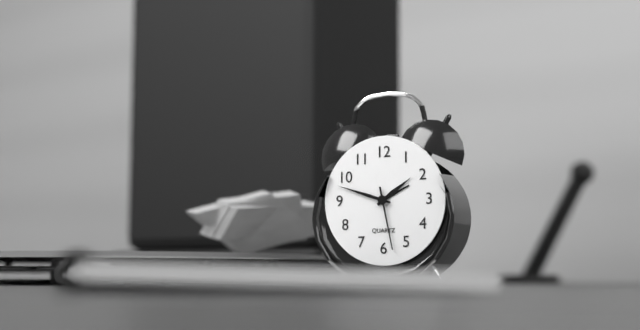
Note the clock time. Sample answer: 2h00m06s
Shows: 1h48m28s
